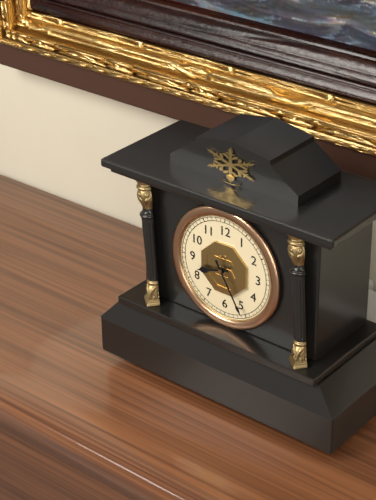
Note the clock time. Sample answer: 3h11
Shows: 8h25
